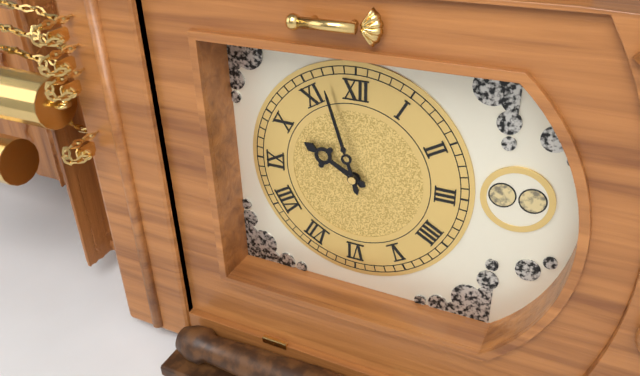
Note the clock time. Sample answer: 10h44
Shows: 9h57
